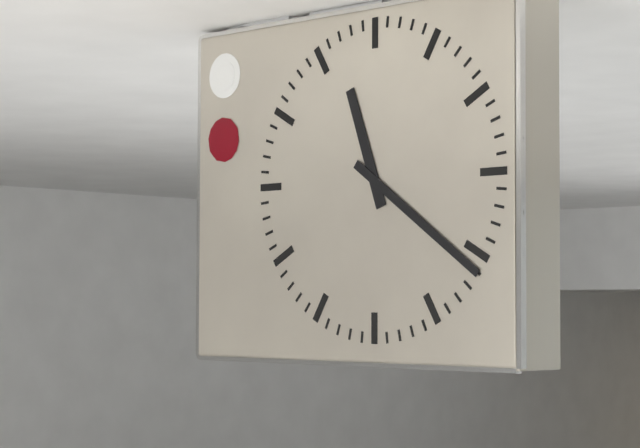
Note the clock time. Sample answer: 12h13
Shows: 11h21
